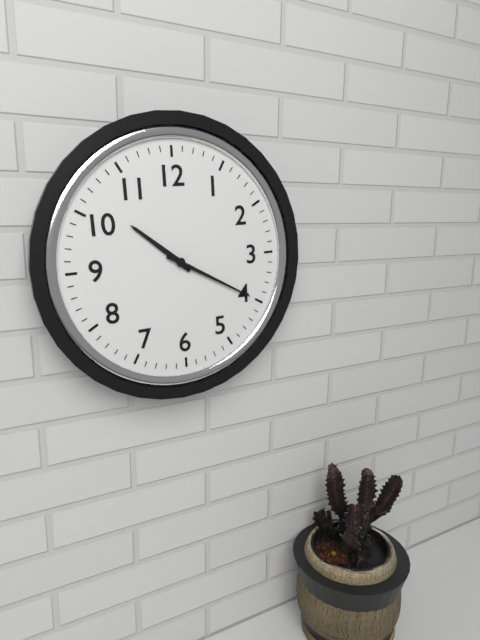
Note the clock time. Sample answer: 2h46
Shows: 10h20
